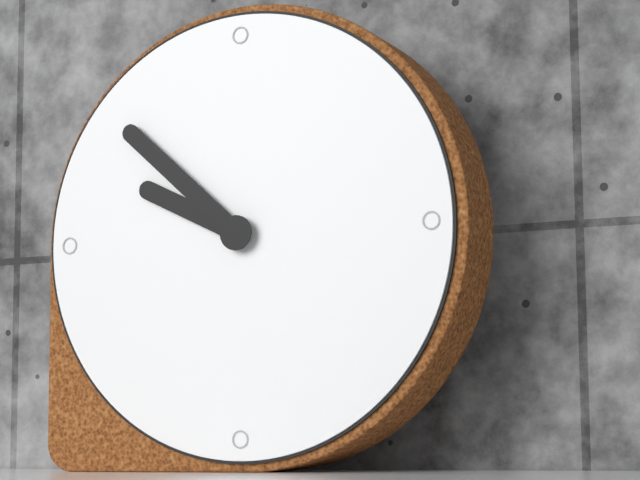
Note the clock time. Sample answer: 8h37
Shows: 9h52
